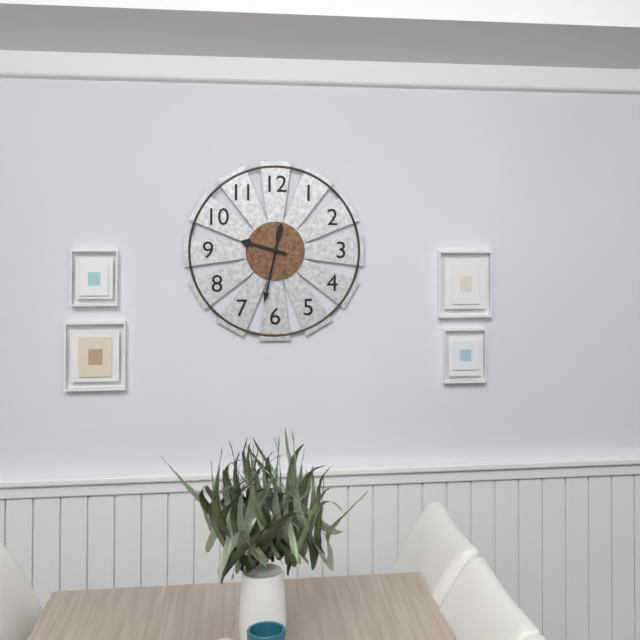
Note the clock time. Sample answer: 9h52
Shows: 9h32
